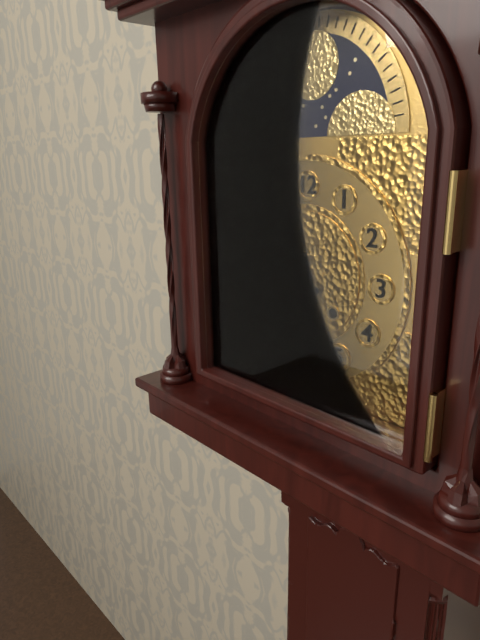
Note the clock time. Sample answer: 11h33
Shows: 5h51
